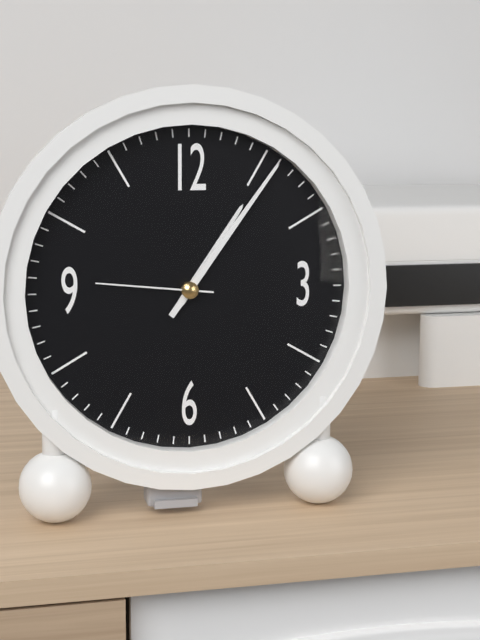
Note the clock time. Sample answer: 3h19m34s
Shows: 1h06m46s
